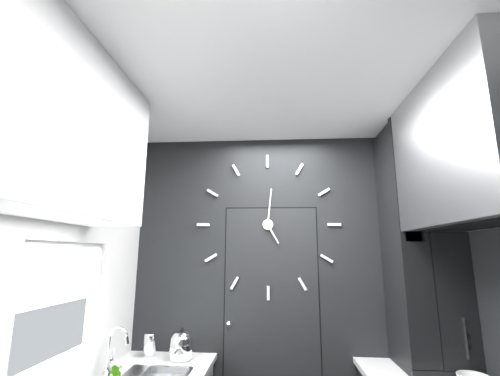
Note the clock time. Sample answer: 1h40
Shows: 5h01
